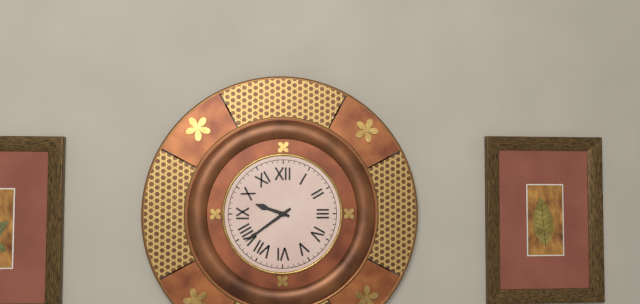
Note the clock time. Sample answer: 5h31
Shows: 9h39
